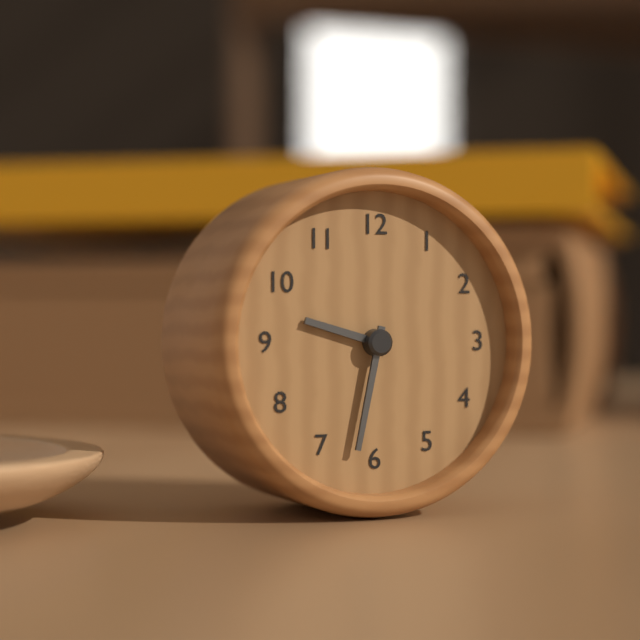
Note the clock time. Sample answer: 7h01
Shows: 9h32
